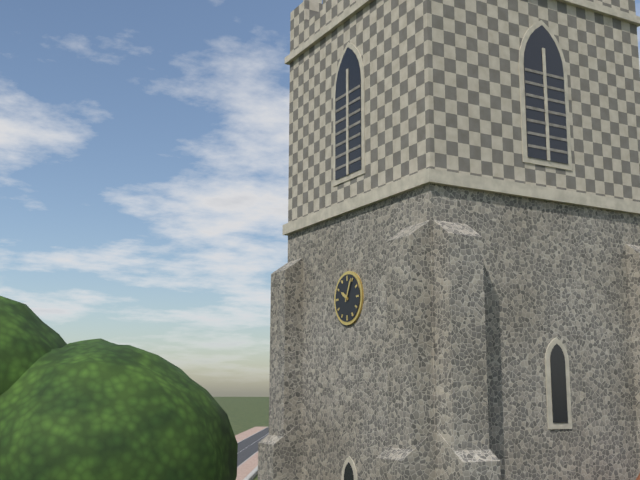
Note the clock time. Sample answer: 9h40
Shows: 10h04
